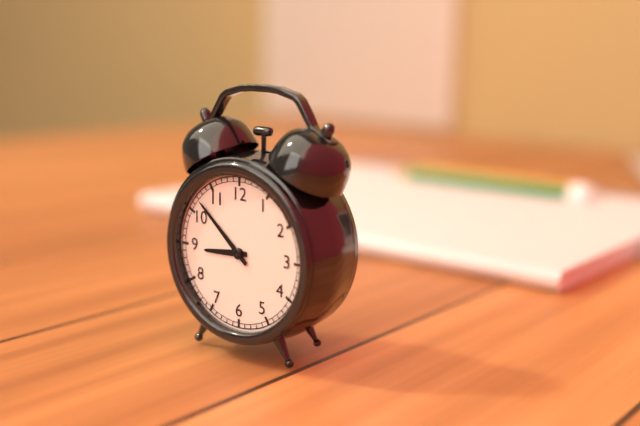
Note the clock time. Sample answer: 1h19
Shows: 8h52
